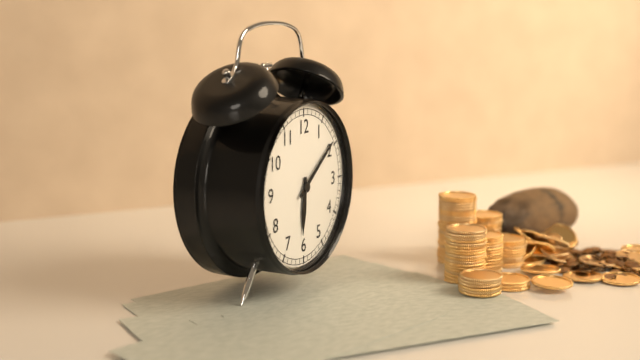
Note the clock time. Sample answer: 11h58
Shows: 6h09
